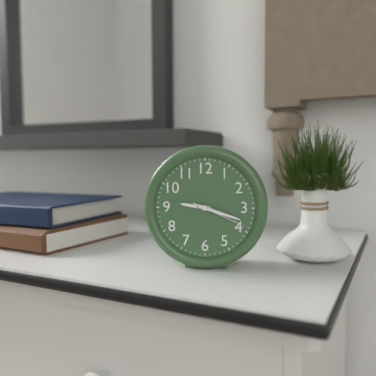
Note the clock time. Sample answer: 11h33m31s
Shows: 9h18m19s
